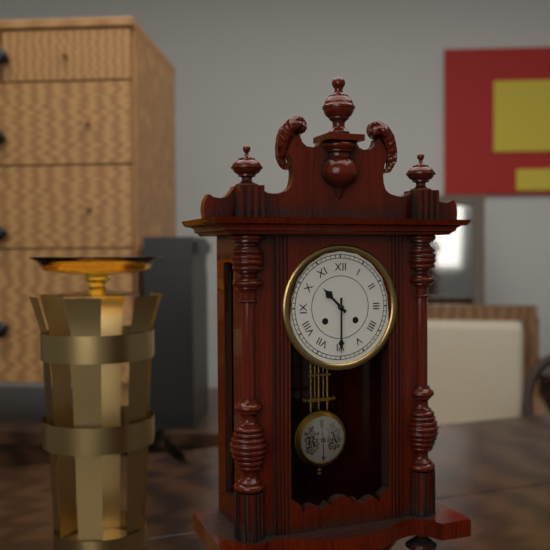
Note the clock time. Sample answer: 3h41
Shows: 10h30
